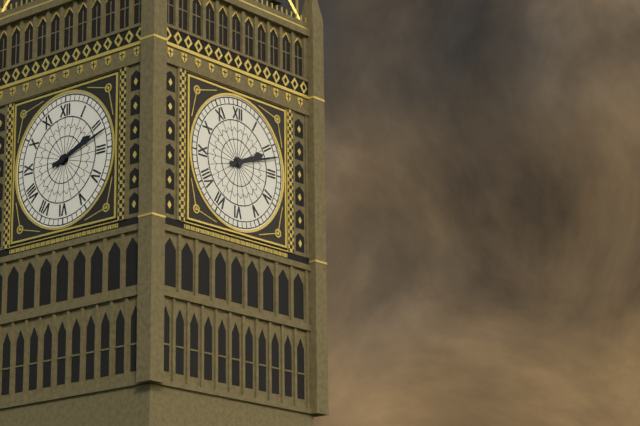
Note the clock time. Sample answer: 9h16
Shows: 2h12
